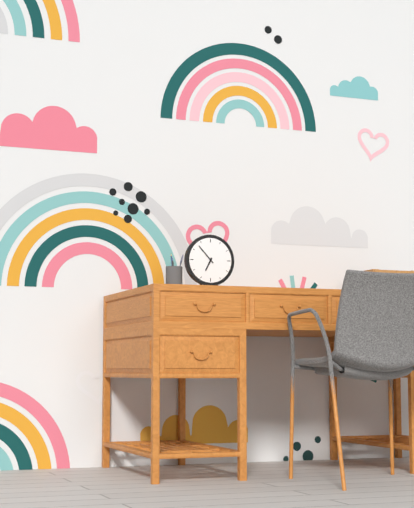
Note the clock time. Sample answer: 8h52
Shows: 6h53
